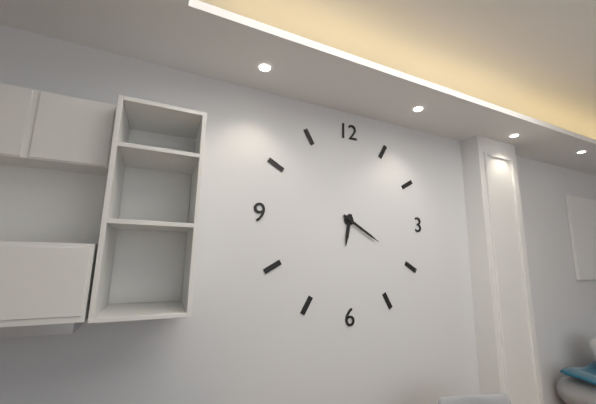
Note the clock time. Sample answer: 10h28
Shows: 6h20
